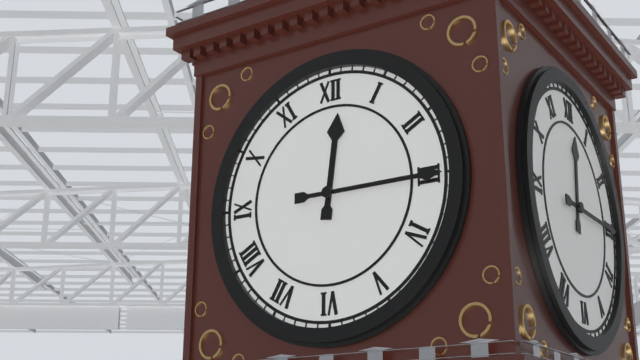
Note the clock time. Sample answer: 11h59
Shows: 12h15
